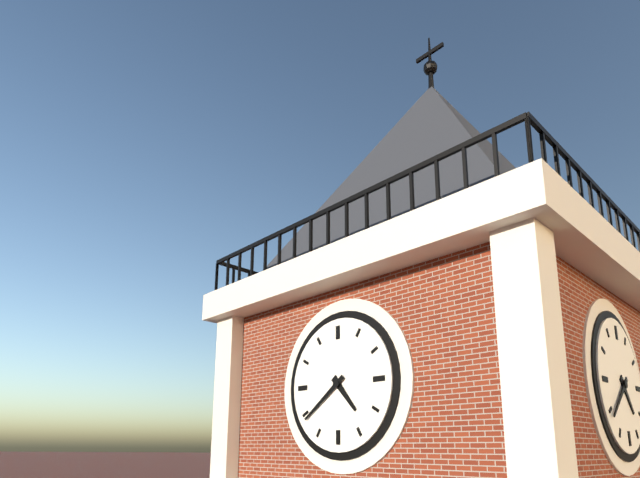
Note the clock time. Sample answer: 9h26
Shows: 4h39
